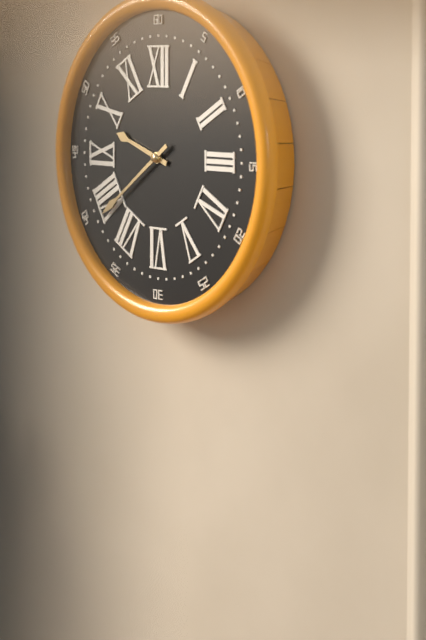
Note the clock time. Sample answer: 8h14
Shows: 9h39
